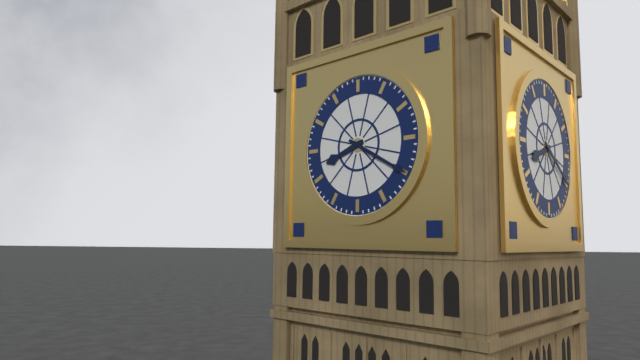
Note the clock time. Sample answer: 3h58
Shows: 8h20
